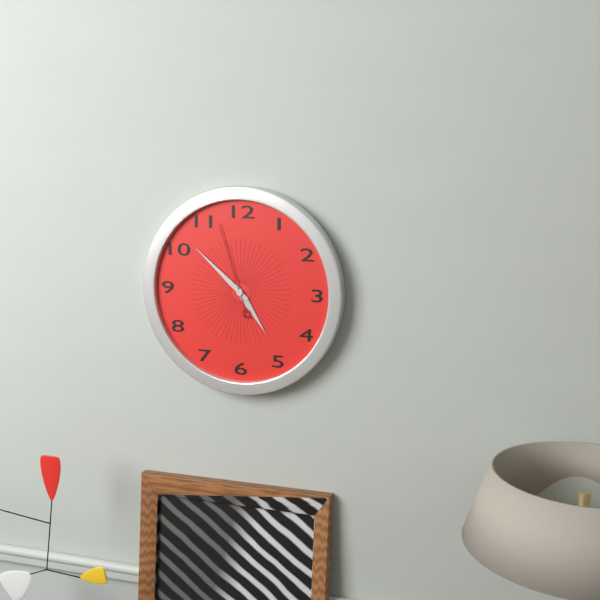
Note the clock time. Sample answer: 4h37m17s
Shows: 4h52m57s
